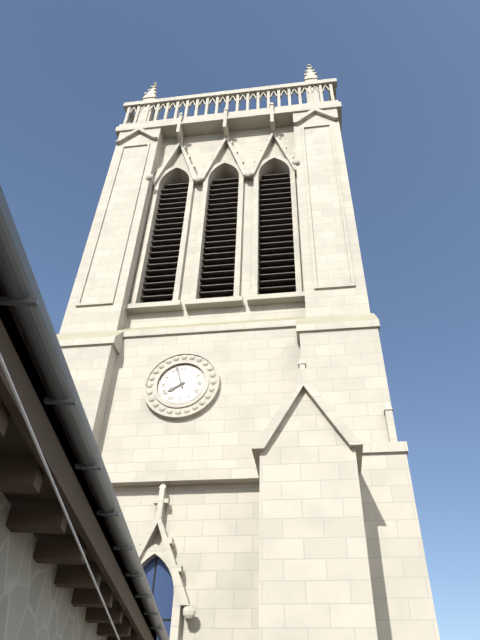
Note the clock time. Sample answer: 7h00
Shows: 7h57
